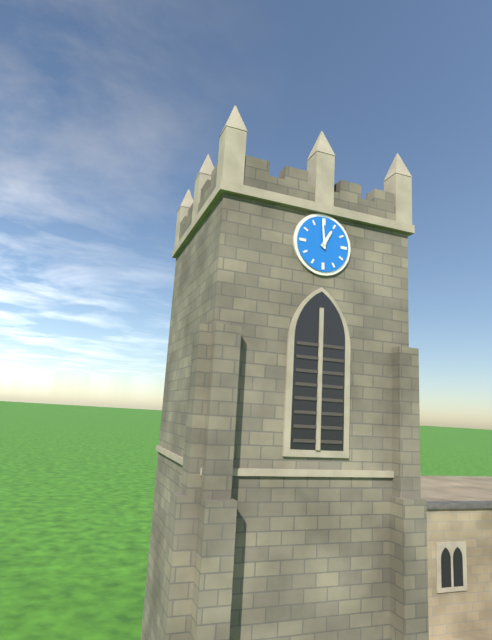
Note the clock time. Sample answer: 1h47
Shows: 12h59
